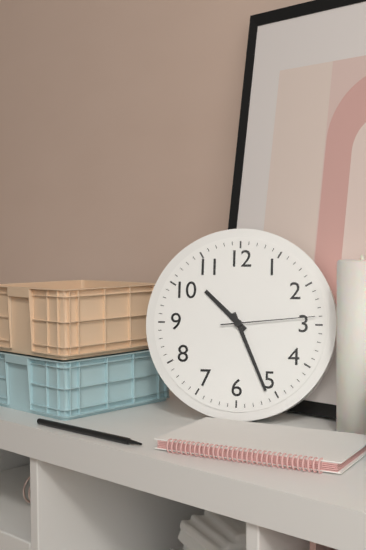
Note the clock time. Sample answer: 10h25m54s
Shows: 10h26m14s
